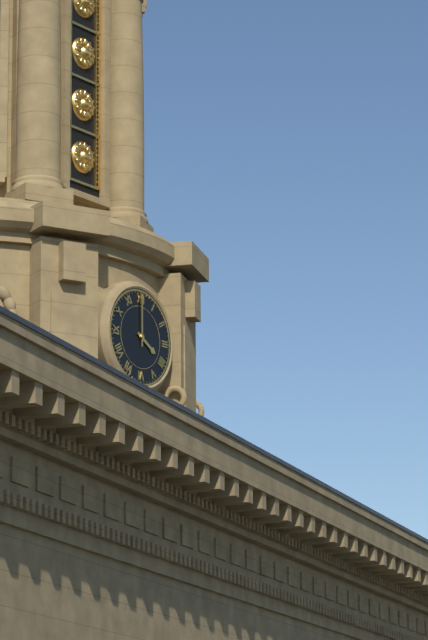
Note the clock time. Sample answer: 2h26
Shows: 4h00
